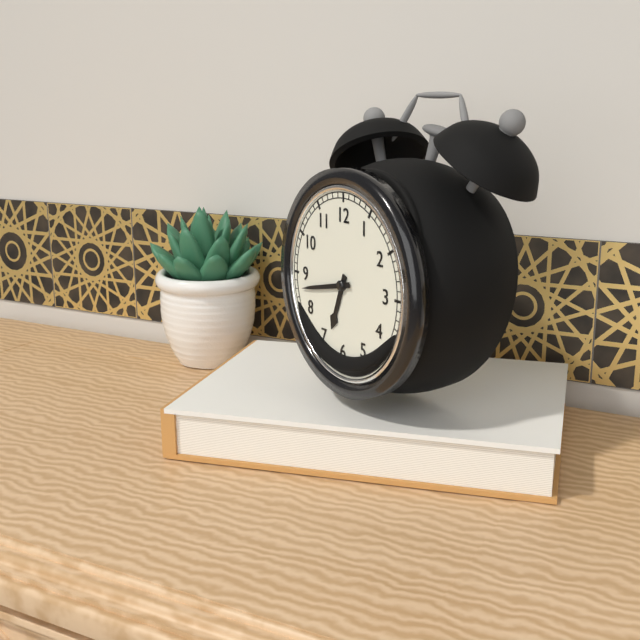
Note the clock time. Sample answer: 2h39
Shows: 6h43
